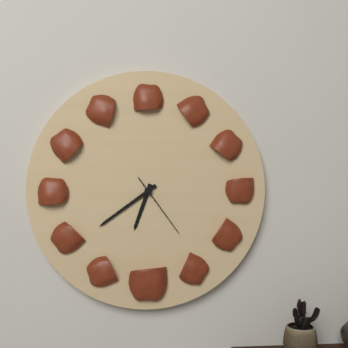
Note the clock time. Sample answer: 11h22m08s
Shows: 6h39m24s
